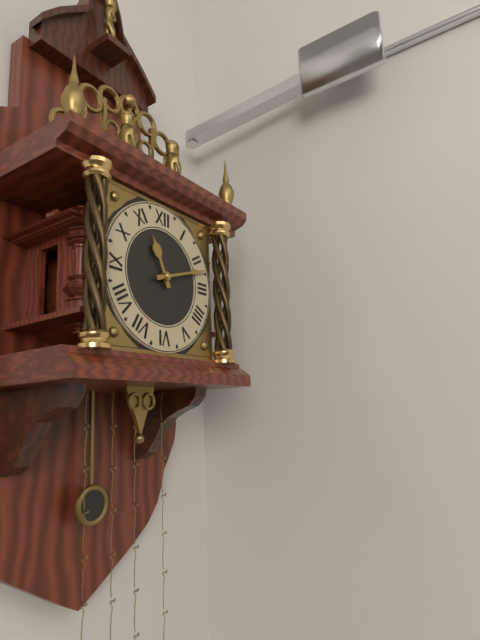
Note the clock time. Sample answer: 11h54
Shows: 11h12
